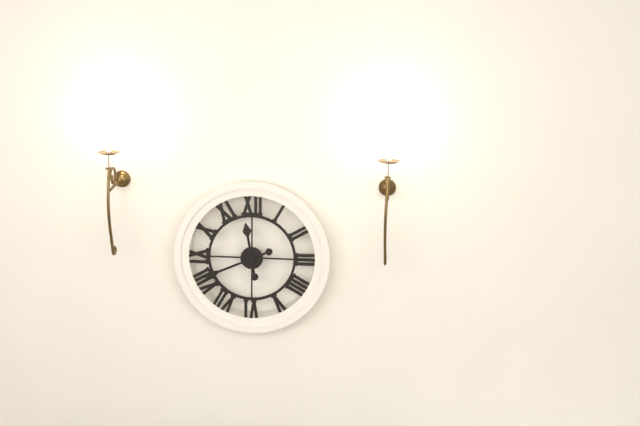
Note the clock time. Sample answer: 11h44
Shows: 11h41
